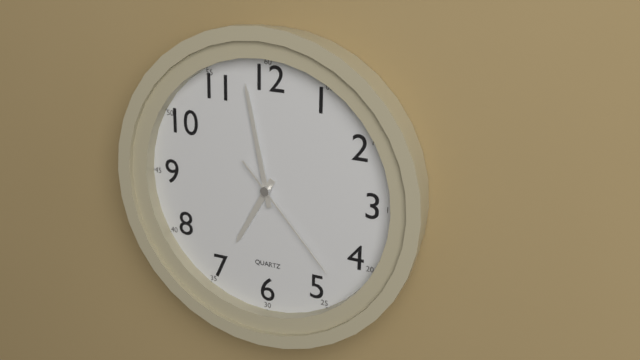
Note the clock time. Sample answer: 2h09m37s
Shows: 6h58m23s
